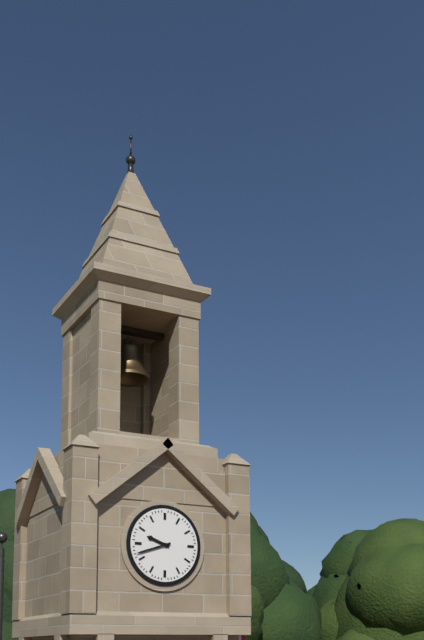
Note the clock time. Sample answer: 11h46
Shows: 9h42
